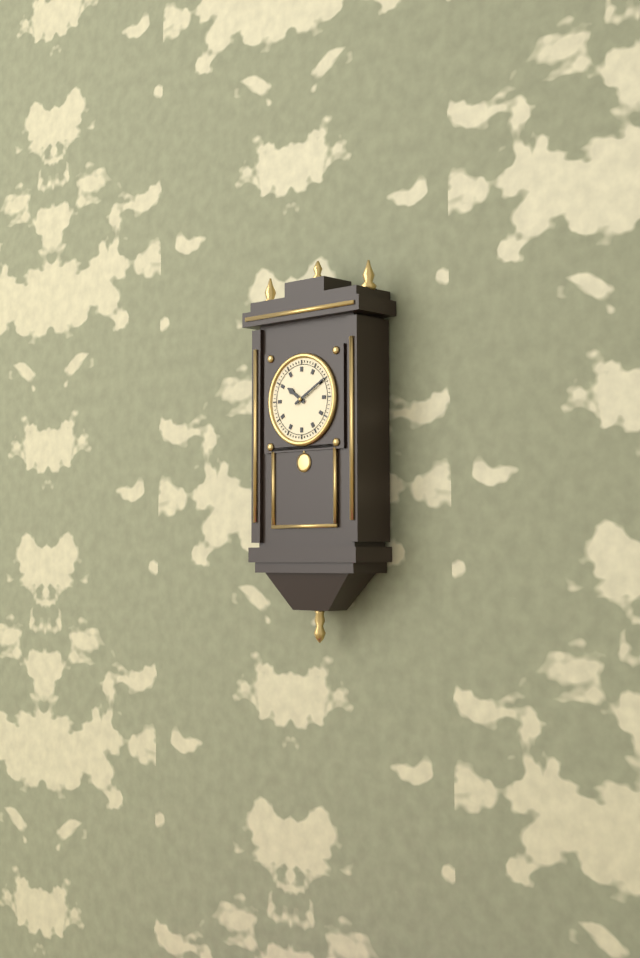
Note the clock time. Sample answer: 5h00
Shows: 10h10
